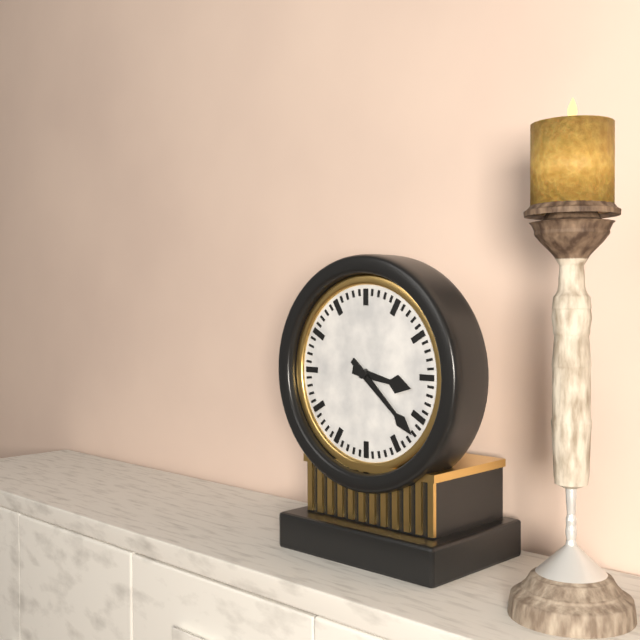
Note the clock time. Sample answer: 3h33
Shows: 3h22
